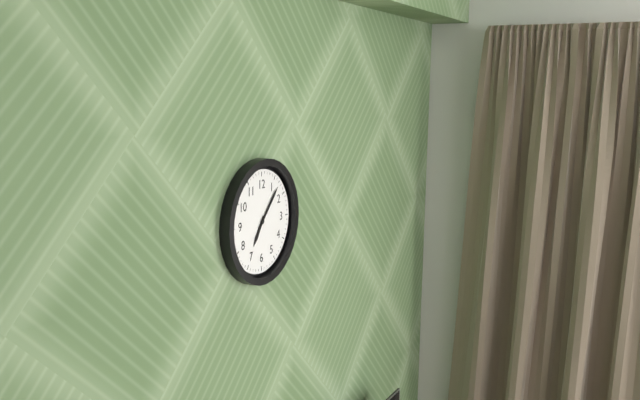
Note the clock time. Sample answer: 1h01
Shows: 7h07
